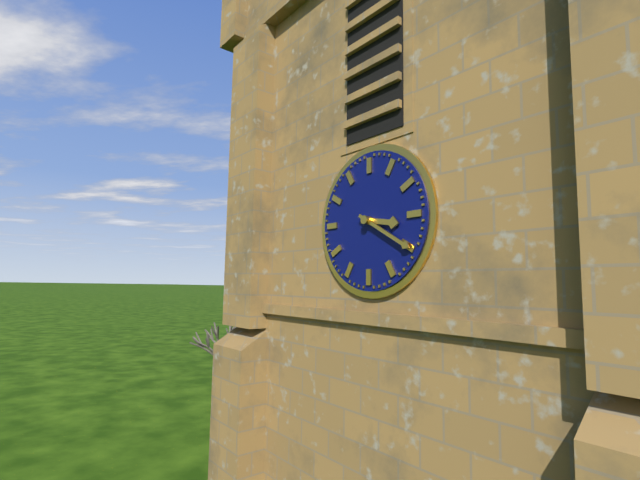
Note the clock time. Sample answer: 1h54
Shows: 3h20
